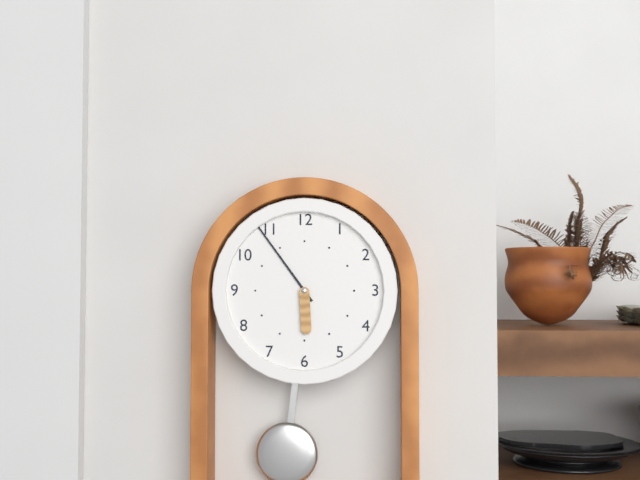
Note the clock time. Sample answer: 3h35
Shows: 5h54
